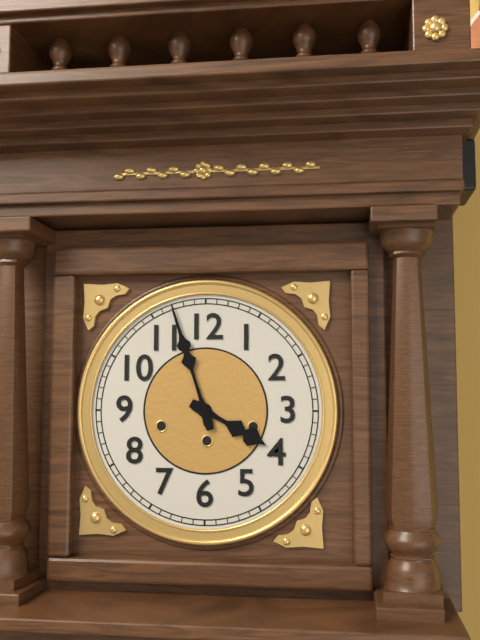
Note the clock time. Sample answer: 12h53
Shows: 3h57
